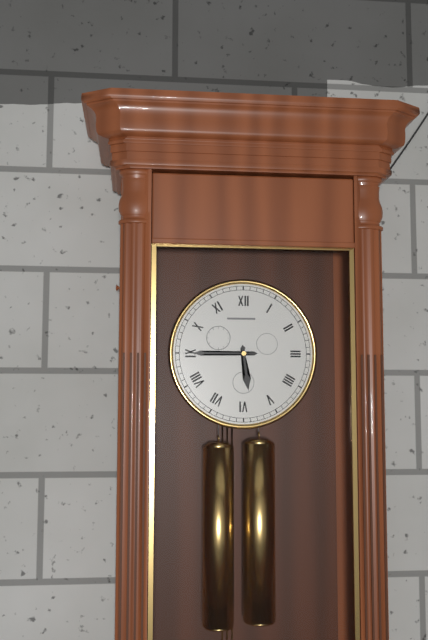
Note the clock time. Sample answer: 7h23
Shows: 5h45
